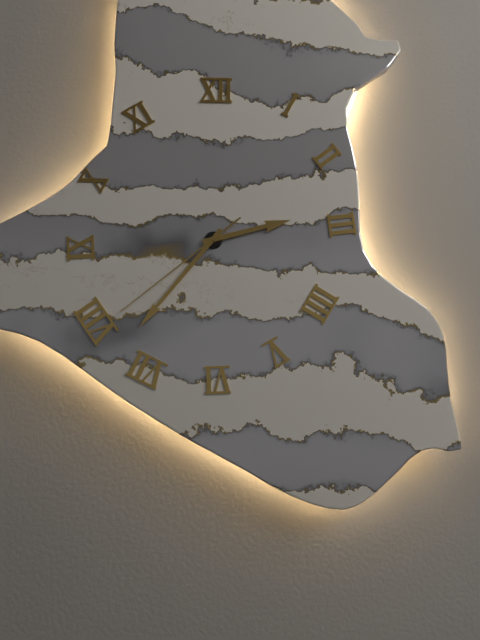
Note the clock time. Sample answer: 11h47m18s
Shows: 2h37m39s
